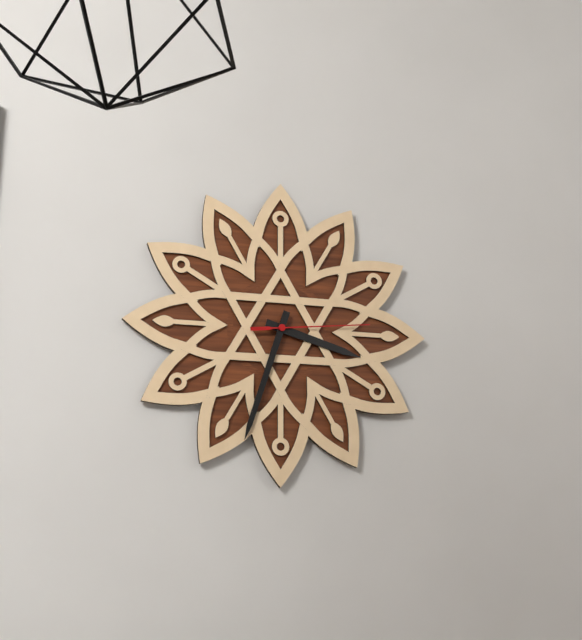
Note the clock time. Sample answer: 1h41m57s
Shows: 3h33m14s
